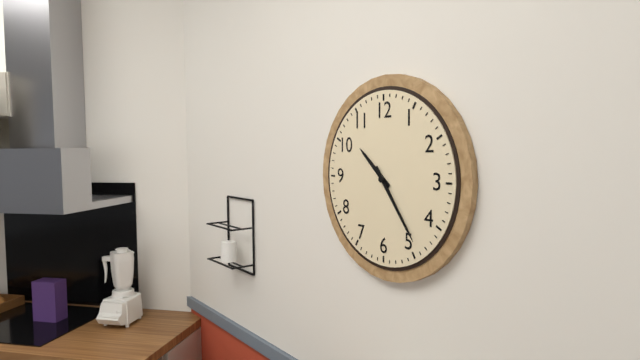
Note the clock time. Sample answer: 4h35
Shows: 10h24
